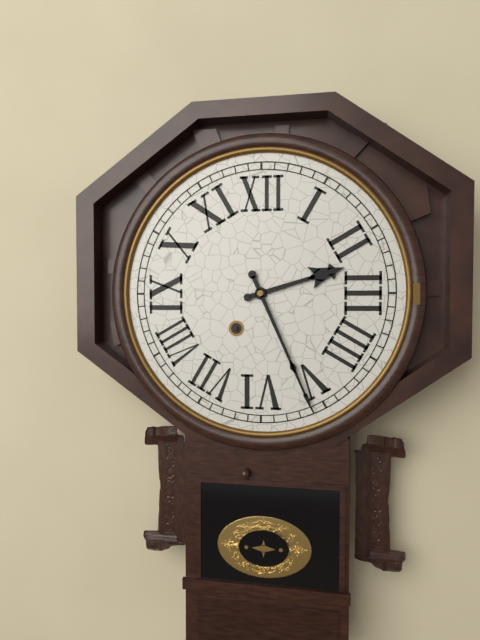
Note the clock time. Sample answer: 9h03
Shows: 2h26
